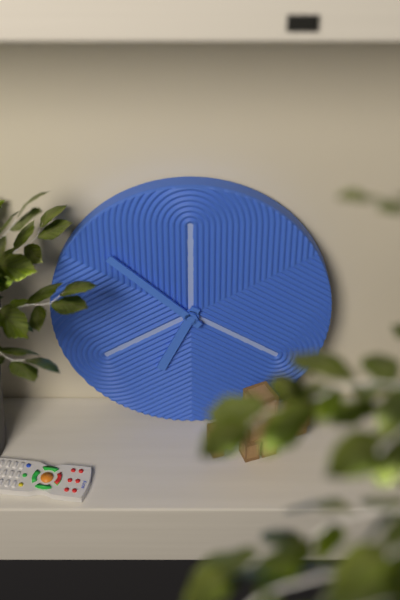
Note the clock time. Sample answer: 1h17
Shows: 6h52
